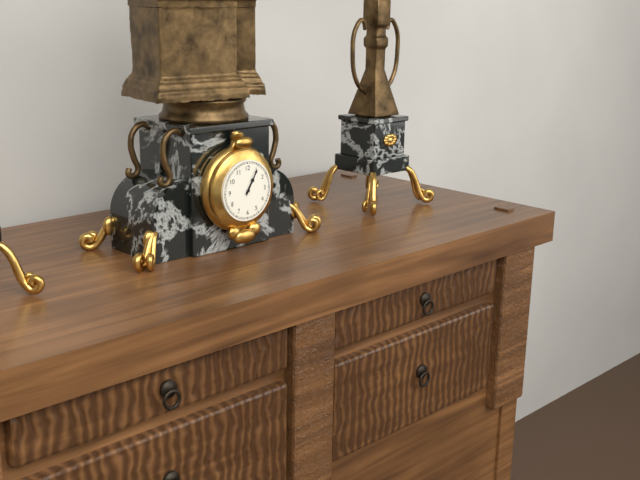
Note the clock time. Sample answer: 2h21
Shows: 1h05
